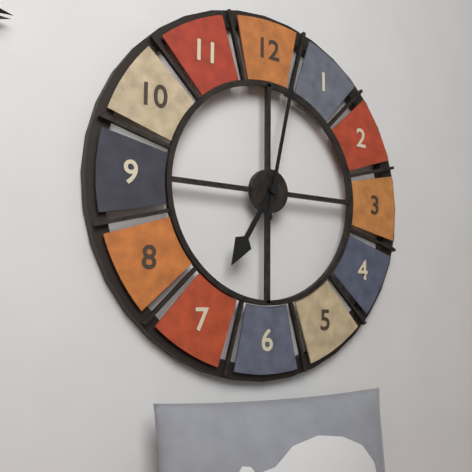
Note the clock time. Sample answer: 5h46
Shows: 7h02
